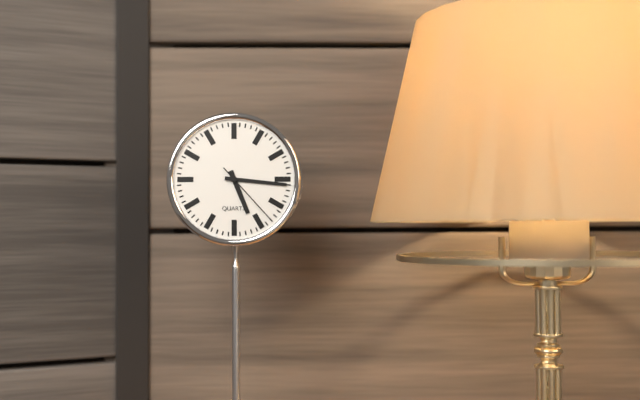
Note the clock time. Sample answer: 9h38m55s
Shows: 5h16m23s
